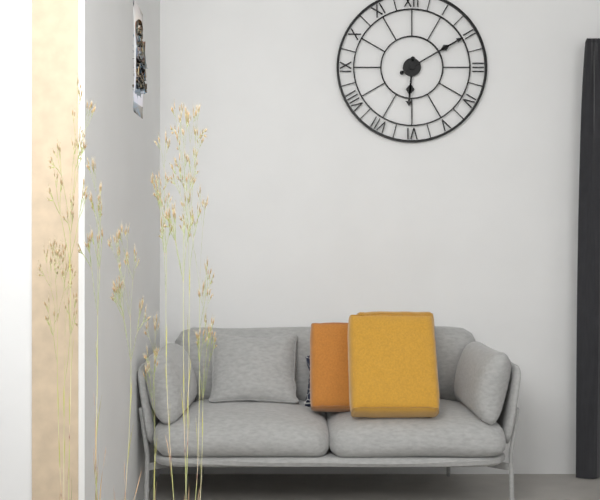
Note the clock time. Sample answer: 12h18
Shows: 6h10
